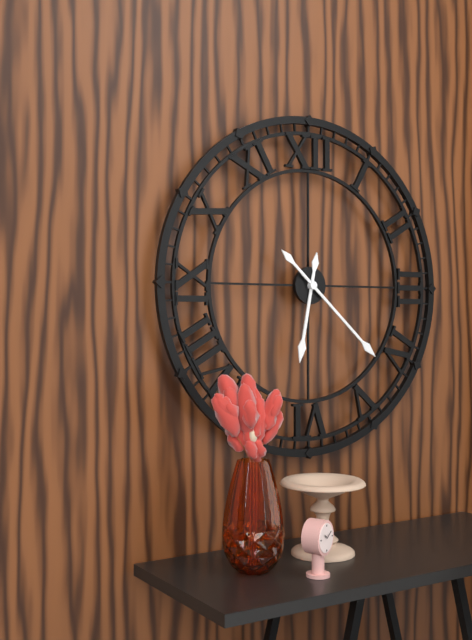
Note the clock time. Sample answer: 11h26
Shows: 6h22
